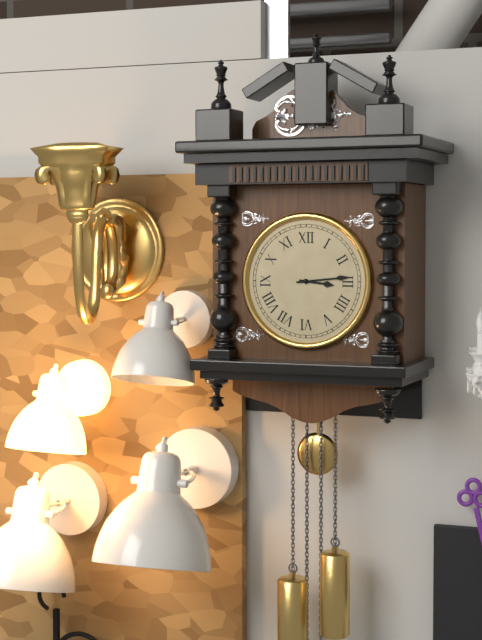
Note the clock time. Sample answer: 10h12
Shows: 3h14
